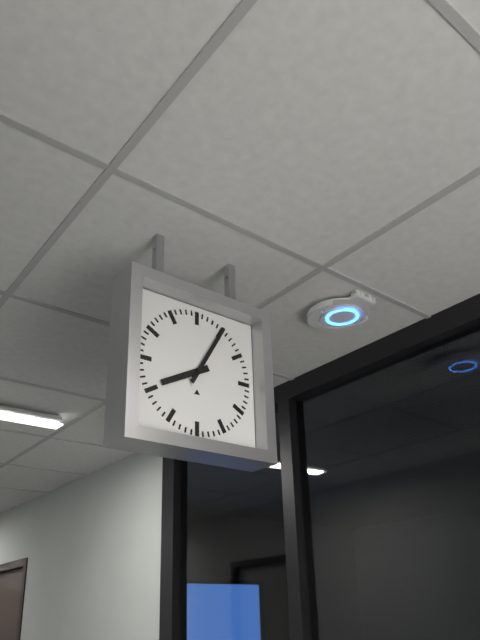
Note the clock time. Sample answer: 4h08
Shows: 8h05
